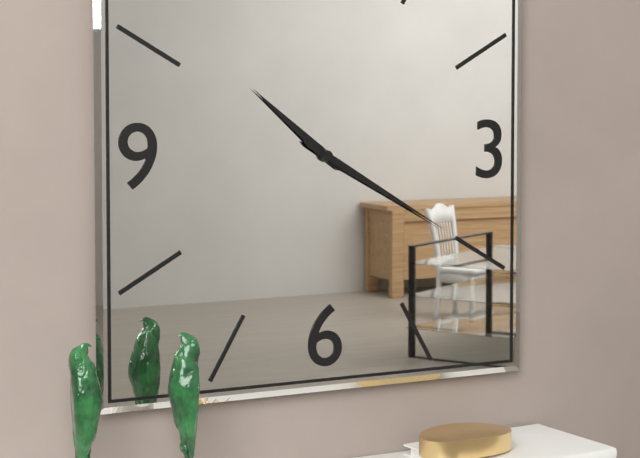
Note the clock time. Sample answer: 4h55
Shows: 10h20
